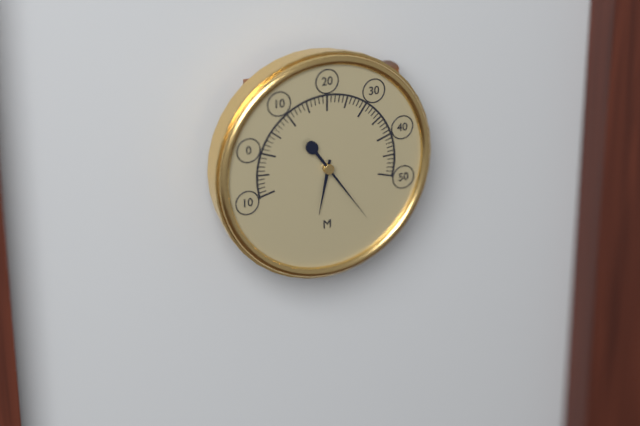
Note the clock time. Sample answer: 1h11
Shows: 6h24
